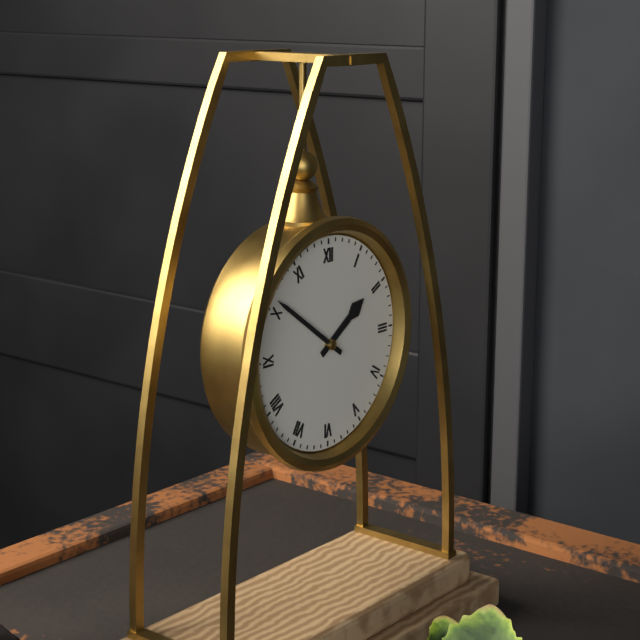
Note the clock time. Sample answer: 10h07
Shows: 1h51
